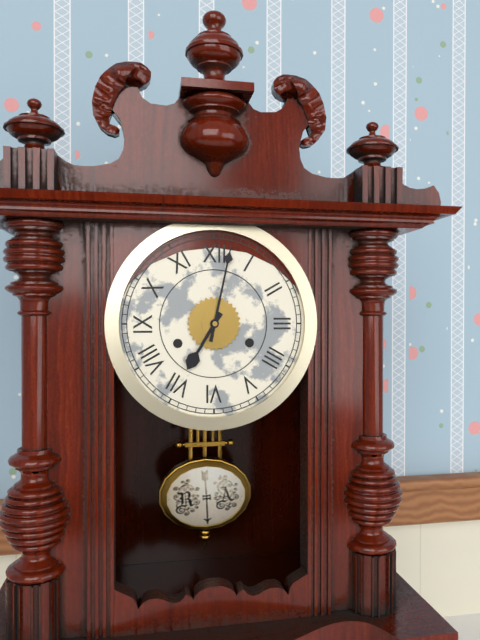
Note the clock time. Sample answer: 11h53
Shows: 7h02
